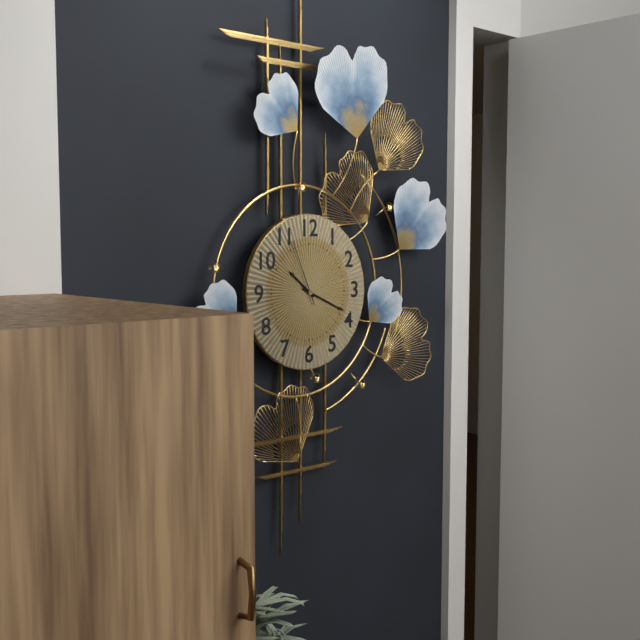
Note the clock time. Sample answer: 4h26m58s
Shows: 10h19m56s
